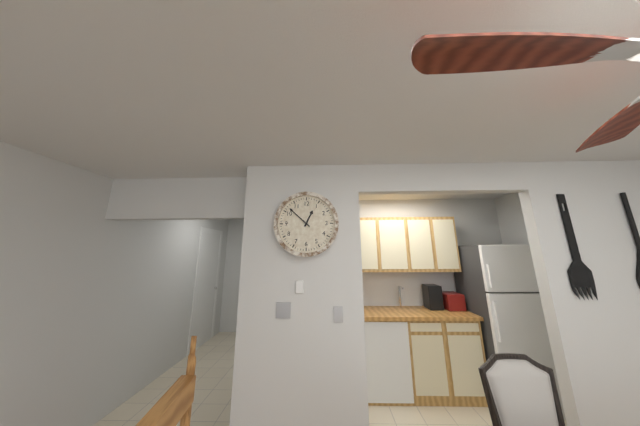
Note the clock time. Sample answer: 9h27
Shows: 12h52
